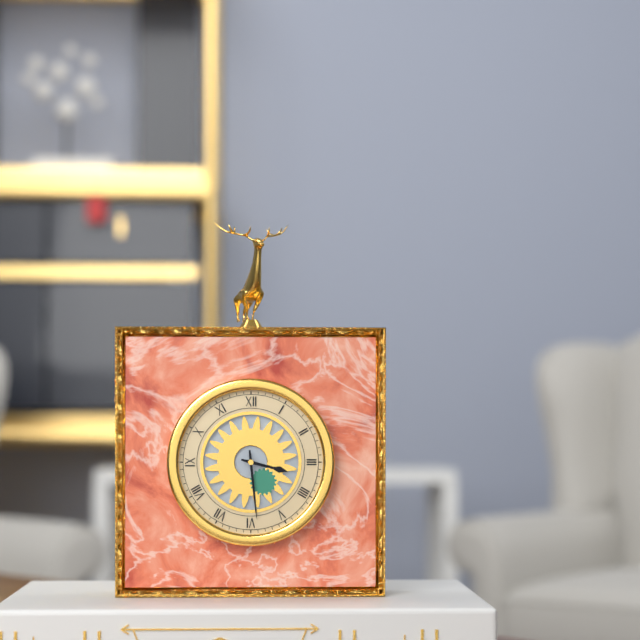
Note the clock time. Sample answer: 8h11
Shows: 3h29
